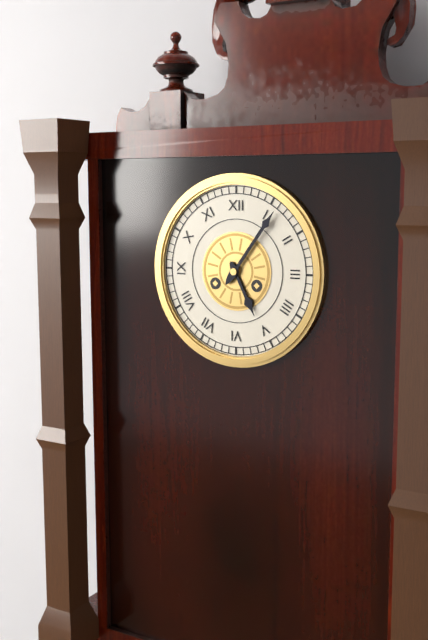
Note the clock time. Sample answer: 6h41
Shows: 5h06
